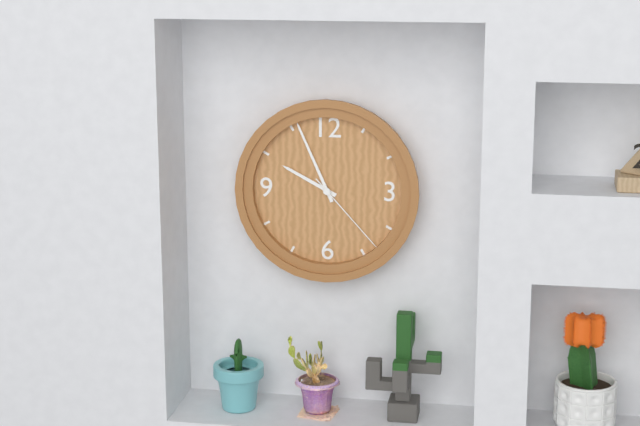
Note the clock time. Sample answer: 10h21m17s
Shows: 9h56m23s
